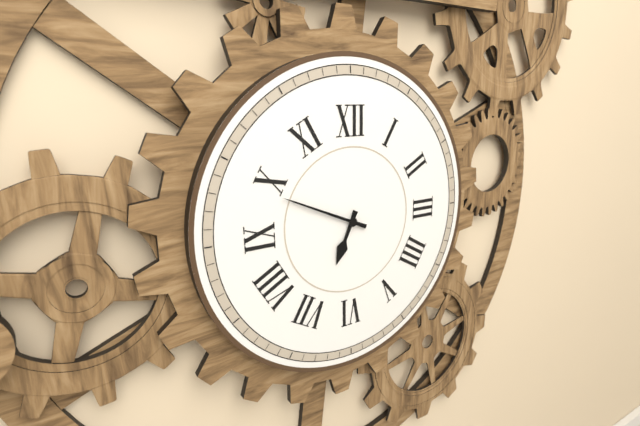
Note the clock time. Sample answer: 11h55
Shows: 6h49
